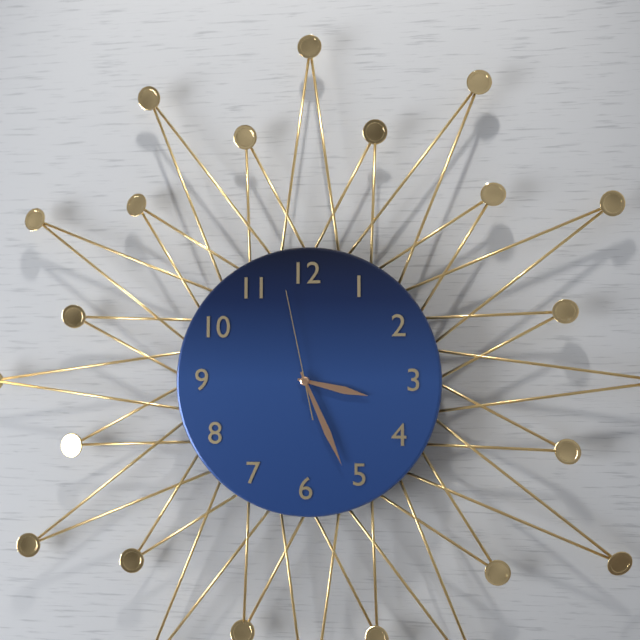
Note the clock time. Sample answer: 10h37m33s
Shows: 3h26m58s
